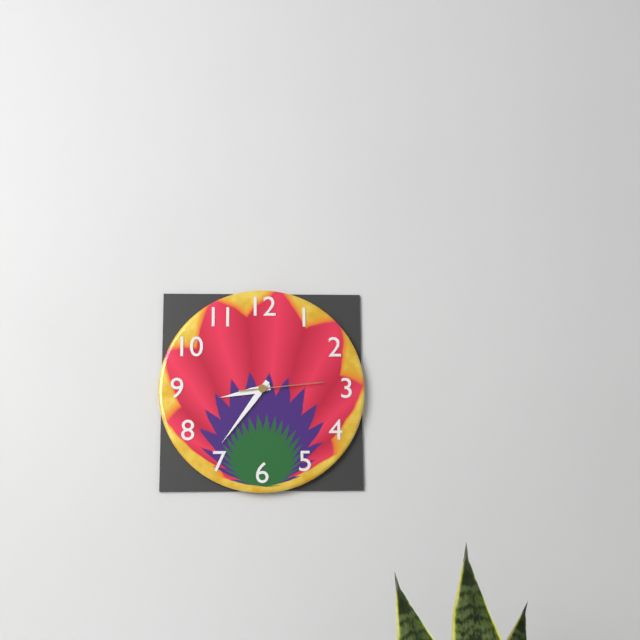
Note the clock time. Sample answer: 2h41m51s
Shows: 8h36m14s
